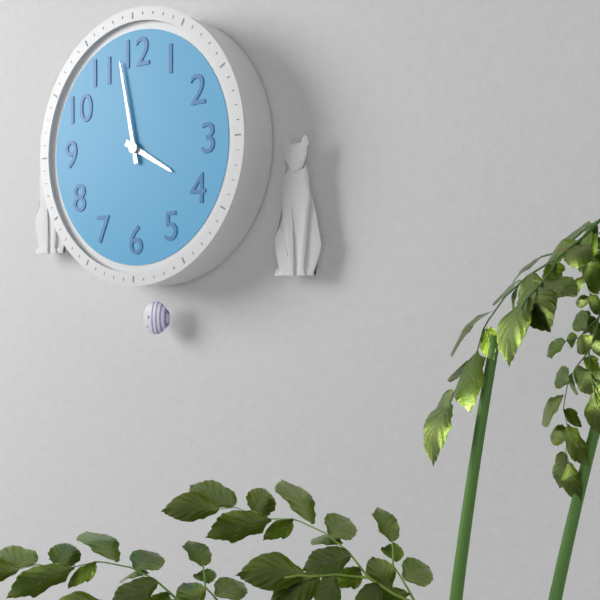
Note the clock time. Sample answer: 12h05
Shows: 3h58
